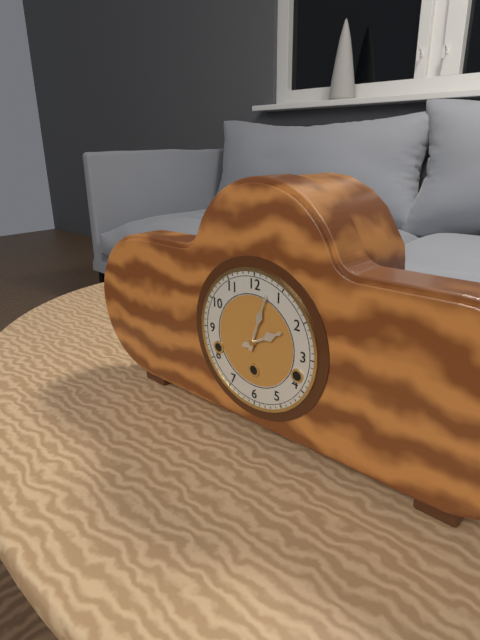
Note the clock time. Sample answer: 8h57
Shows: 2h03
